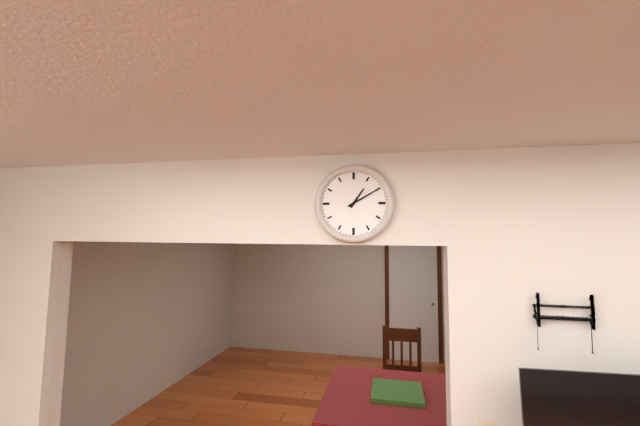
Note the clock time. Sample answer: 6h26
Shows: 1h10
